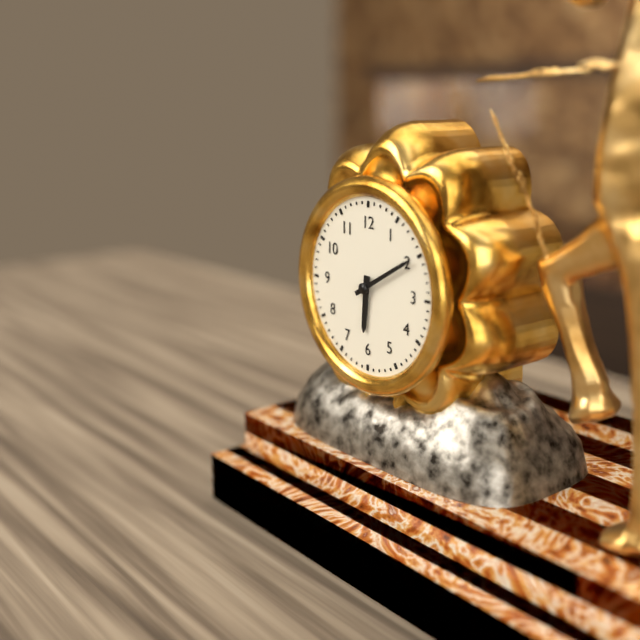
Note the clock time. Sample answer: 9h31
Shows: 6h10
